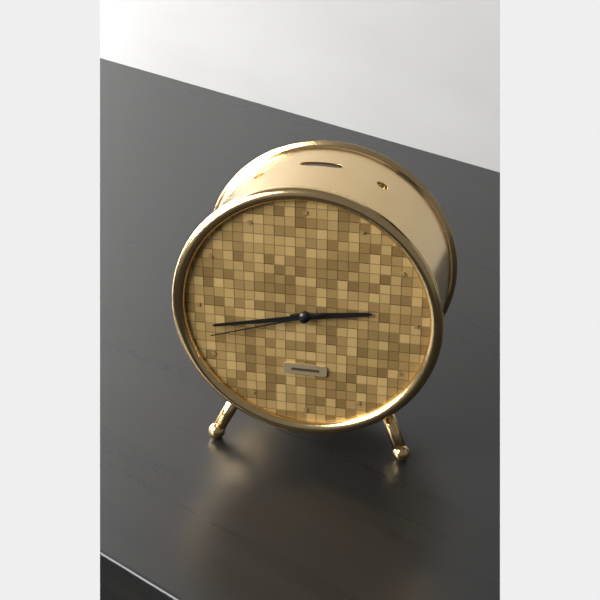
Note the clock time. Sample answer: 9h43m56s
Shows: 2h43m42s
